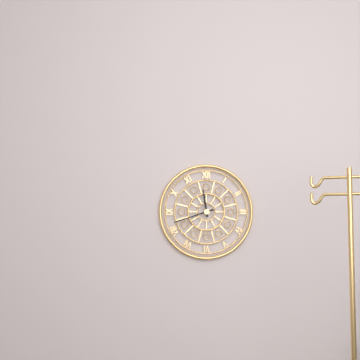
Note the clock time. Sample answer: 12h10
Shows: 11h42
